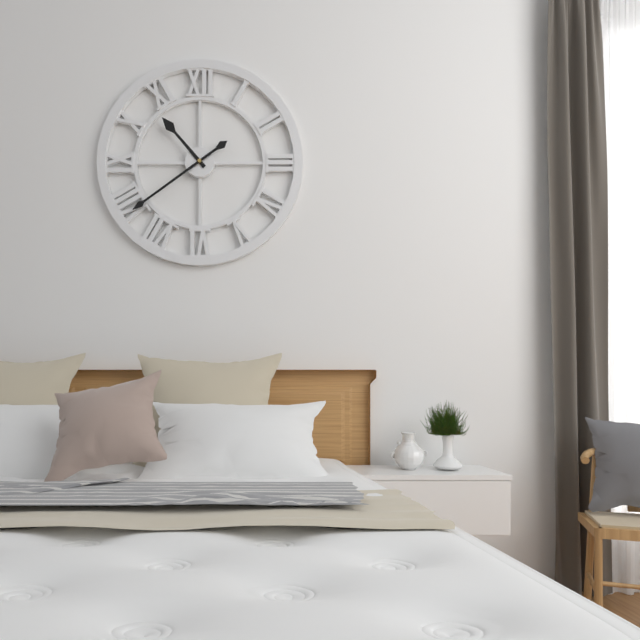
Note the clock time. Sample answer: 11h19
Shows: 10h39
